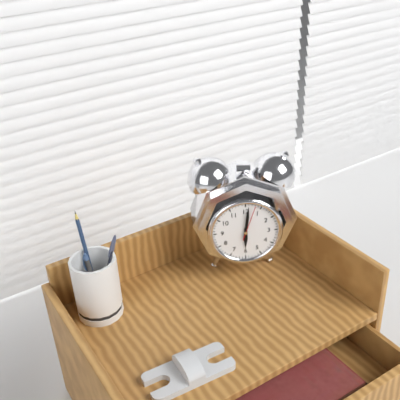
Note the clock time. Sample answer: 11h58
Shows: 6h01
